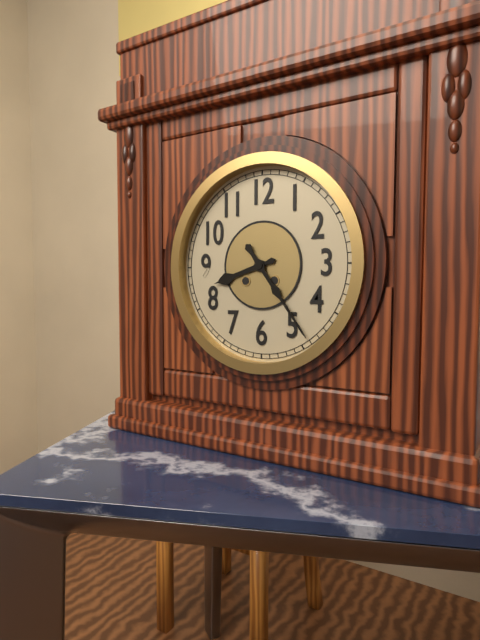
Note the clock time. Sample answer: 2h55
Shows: 8h24
